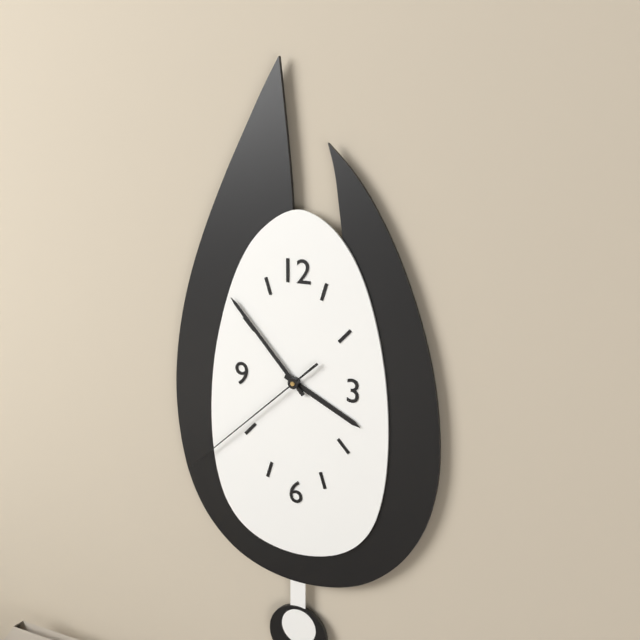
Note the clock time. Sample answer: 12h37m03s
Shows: 3h53m38s
